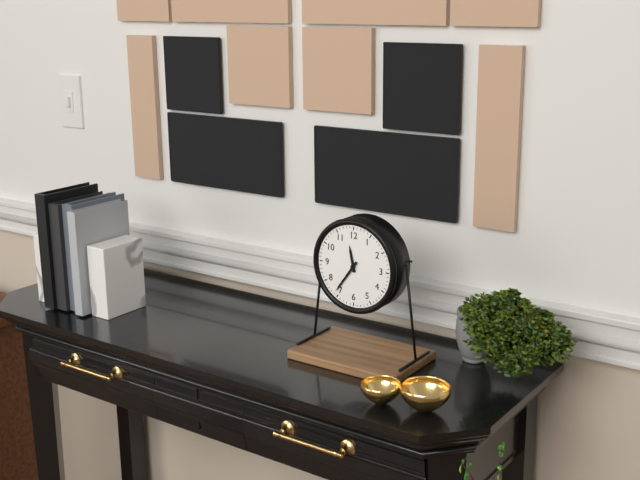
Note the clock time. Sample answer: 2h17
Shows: 11h36
